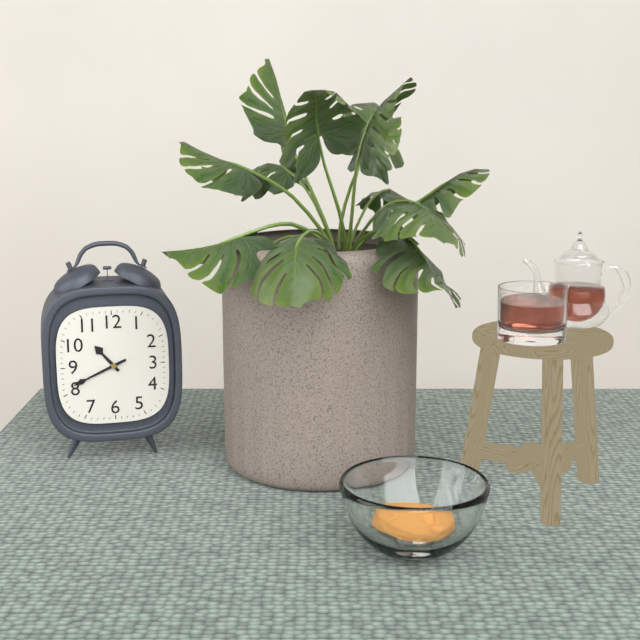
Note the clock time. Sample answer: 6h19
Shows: 10h41
